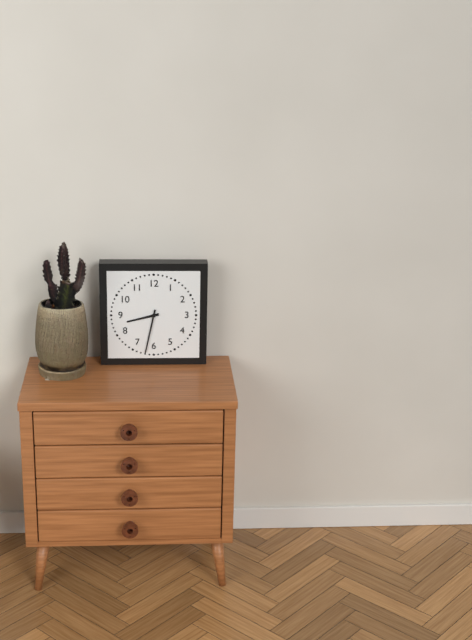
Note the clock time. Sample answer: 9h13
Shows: 8h32
